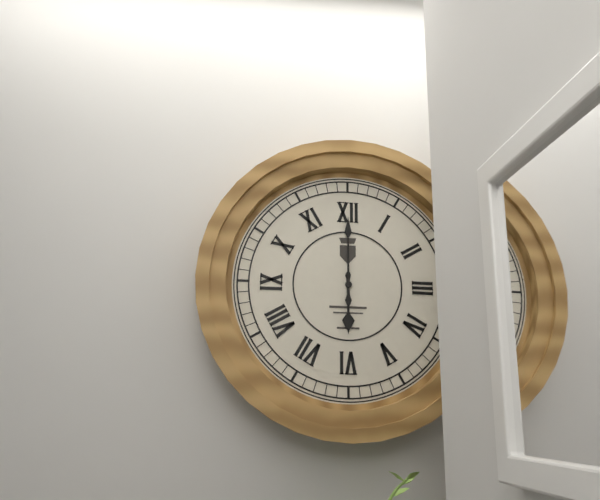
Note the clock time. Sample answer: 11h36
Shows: 6h00
